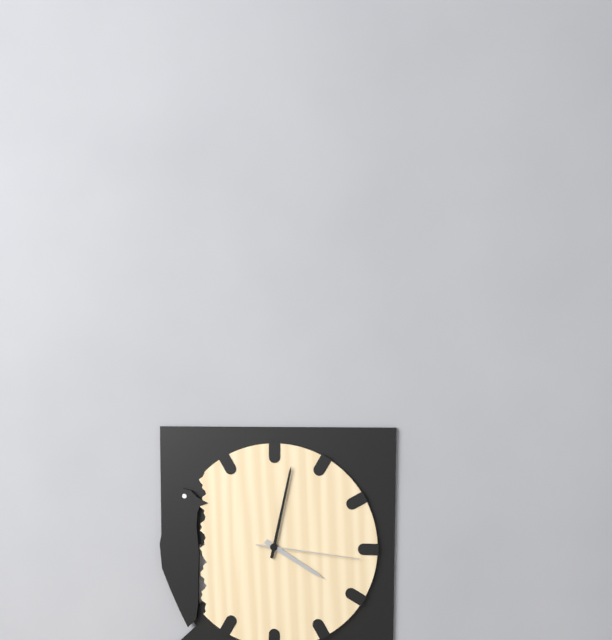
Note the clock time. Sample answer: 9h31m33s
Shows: 4h02m16s
